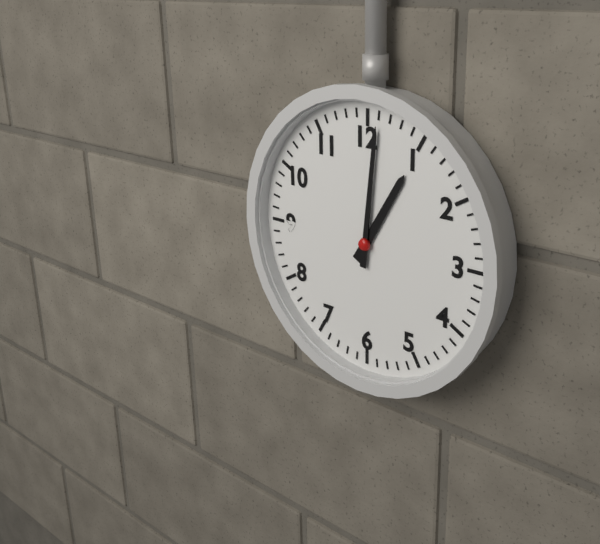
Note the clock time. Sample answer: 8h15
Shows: 1h01
